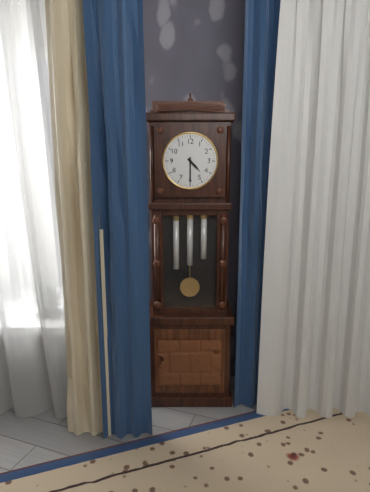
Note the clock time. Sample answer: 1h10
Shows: 4h30
